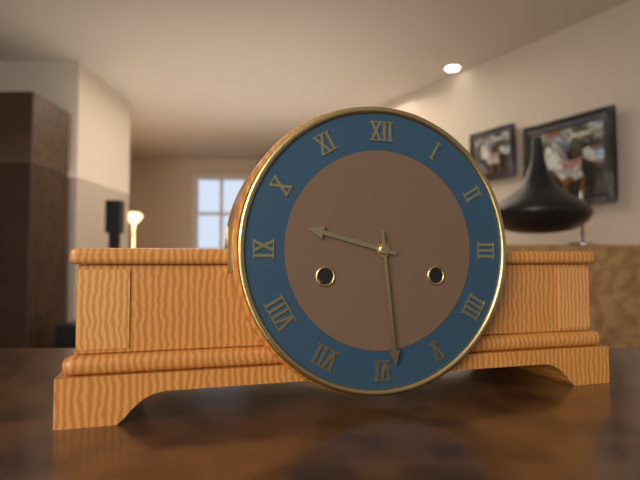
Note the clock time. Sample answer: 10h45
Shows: 9h29
